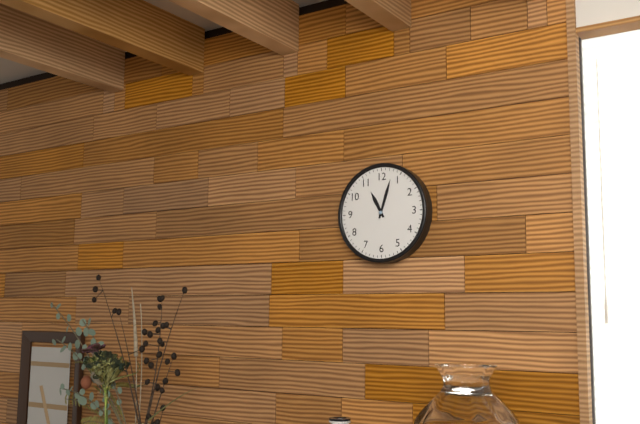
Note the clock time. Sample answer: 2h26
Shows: 11h03
